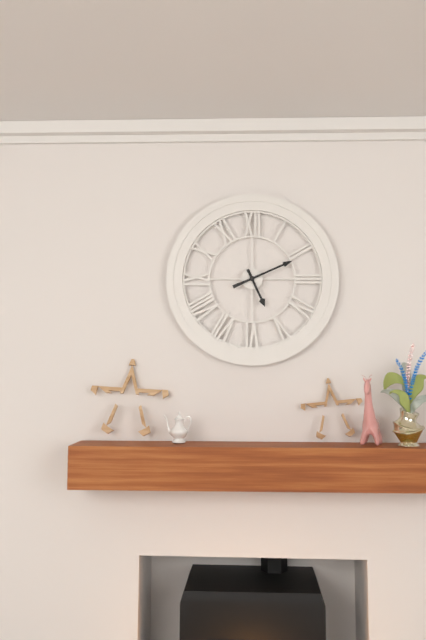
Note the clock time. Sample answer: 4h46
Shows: 5h11
